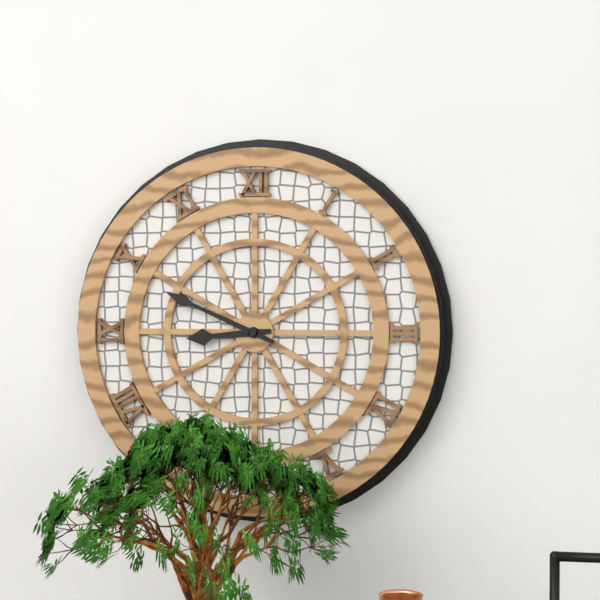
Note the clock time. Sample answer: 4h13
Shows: 8h49
